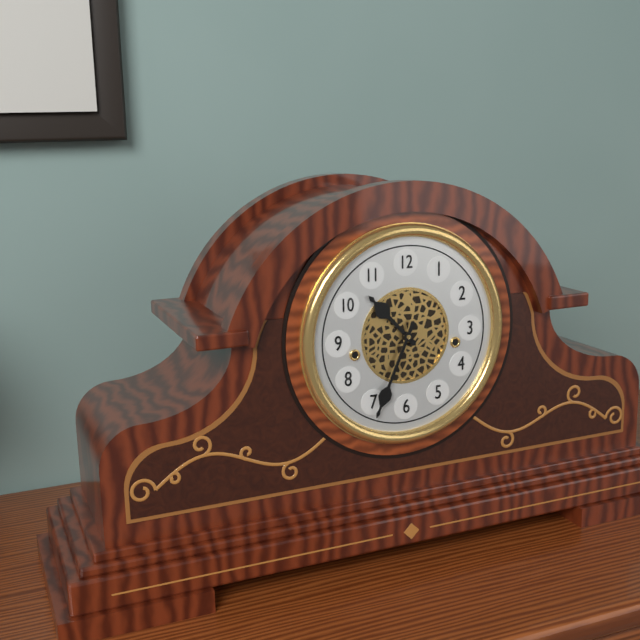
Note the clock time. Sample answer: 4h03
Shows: 10h34
